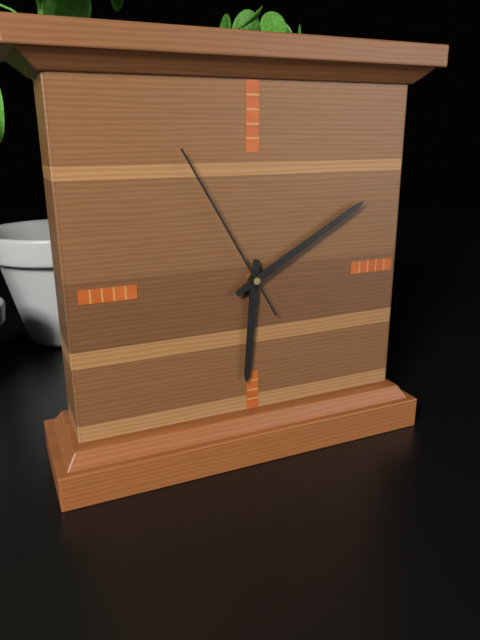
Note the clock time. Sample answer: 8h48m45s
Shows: 6h10m55s
